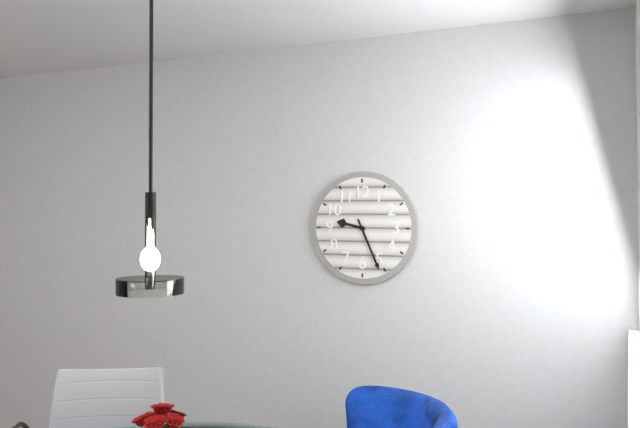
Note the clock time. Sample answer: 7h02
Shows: 9h26
